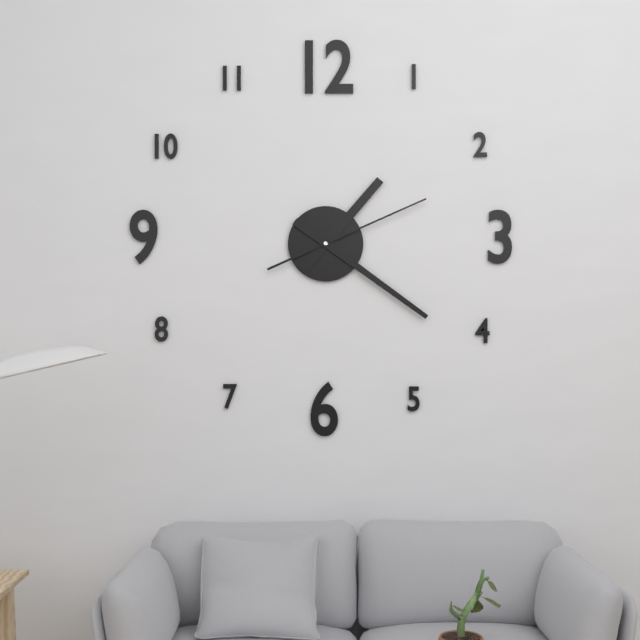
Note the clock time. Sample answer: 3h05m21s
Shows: 1h21m11s
